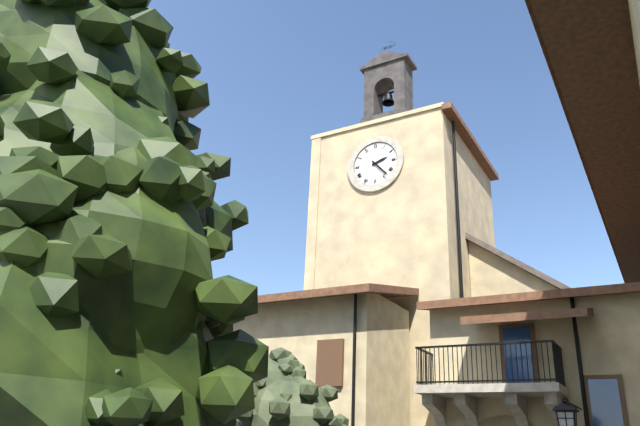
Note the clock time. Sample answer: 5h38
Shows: 2h23
